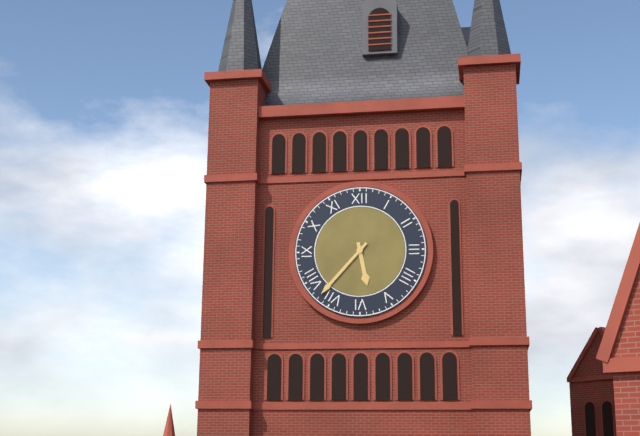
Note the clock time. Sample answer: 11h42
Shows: 5h37
